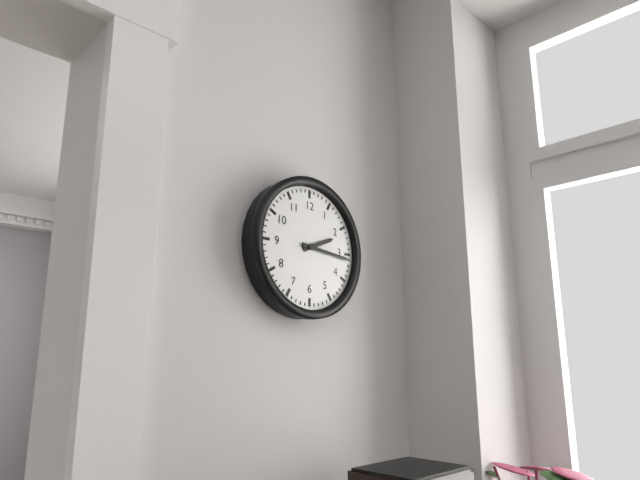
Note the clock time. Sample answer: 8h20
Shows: 2h16
